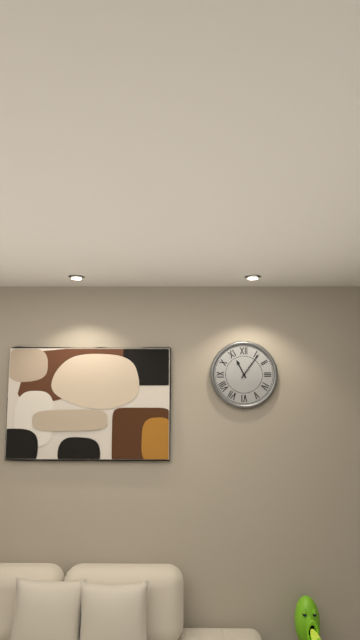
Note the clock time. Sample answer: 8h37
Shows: 11h06
